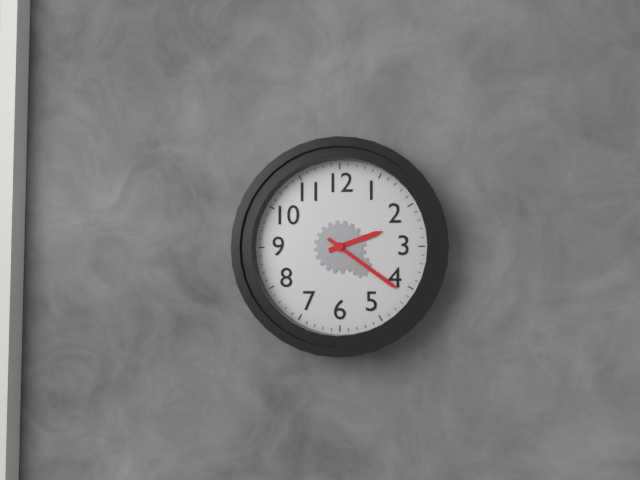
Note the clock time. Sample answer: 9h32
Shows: 2h21
